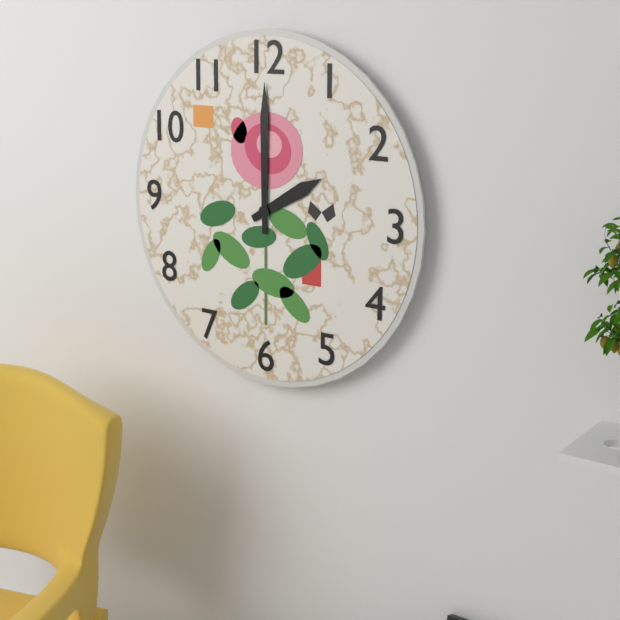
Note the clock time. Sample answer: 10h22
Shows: 2h00
